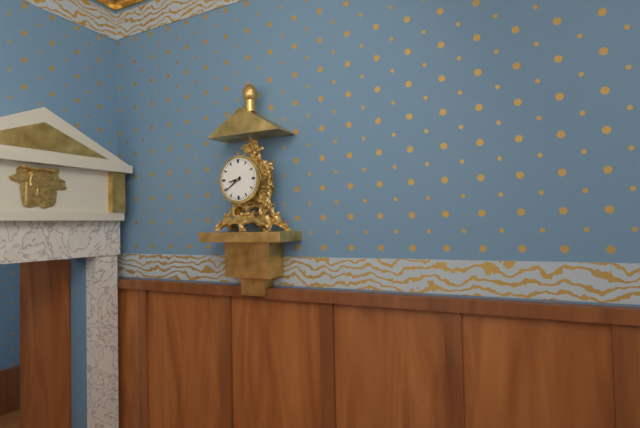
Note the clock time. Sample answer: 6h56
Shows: 8h39
